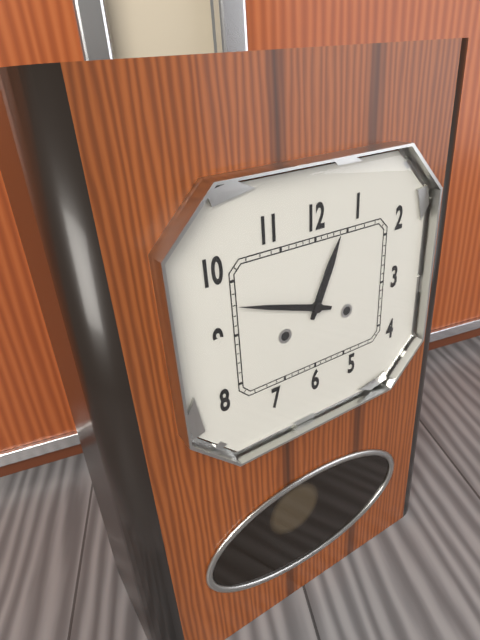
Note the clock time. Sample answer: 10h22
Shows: 12h48
